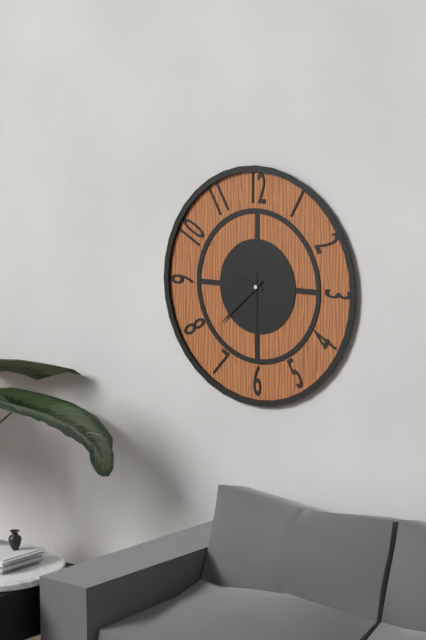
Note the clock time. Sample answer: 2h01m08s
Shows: 9h38m30s
